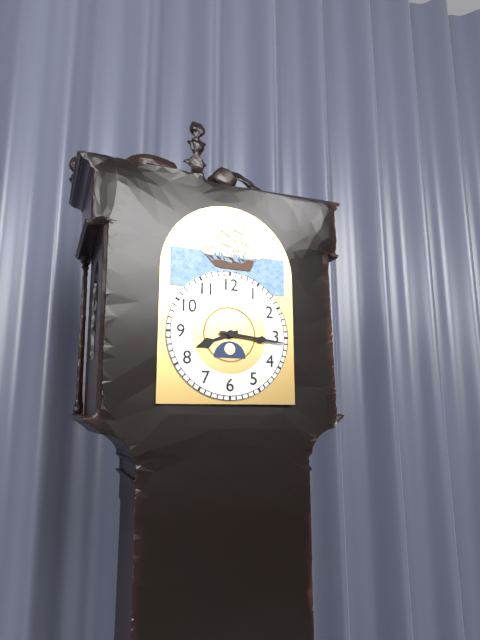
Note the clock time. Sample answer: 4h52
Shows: 8h16
